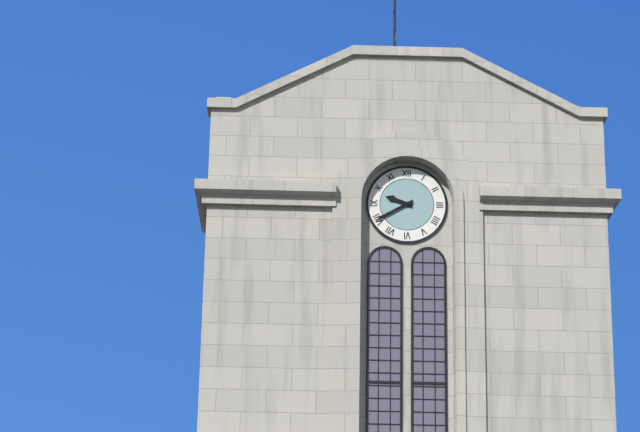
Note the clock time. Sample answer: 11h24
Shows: 9h40
